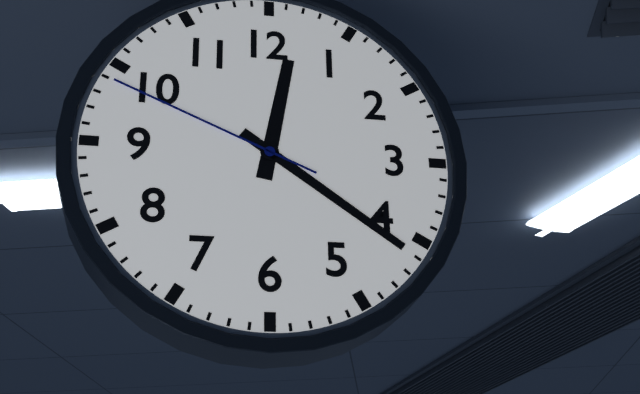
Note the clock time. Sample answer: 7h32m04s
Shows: 12h21m49s
